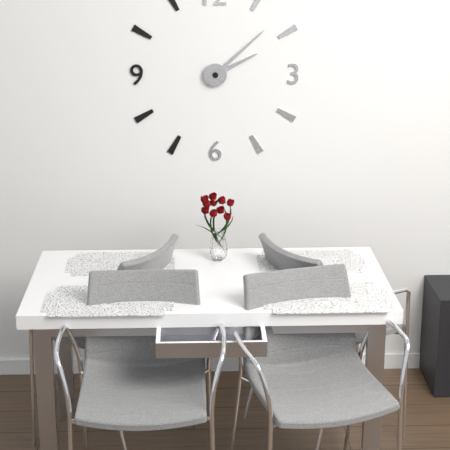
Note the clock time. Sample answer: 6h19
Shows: 2h08
